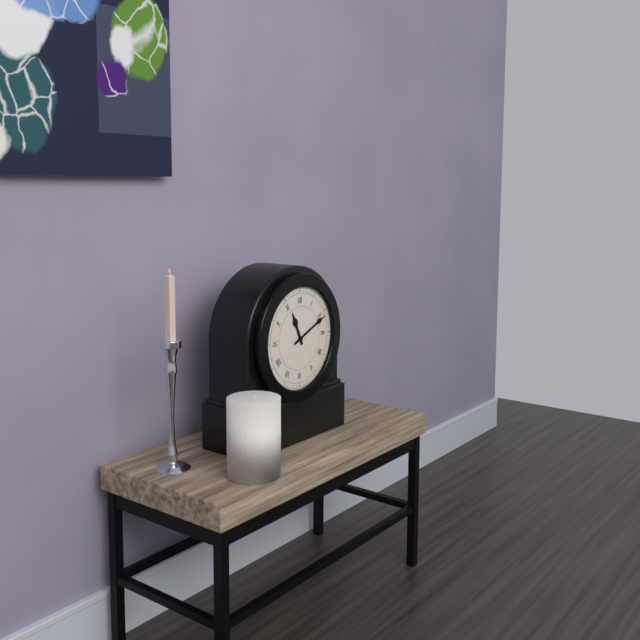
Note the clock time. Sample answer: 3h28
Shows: 11h11
